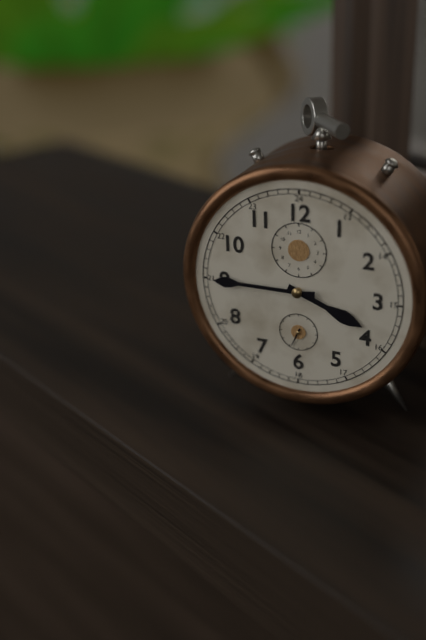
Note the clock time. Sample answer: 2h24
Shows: 3h45
